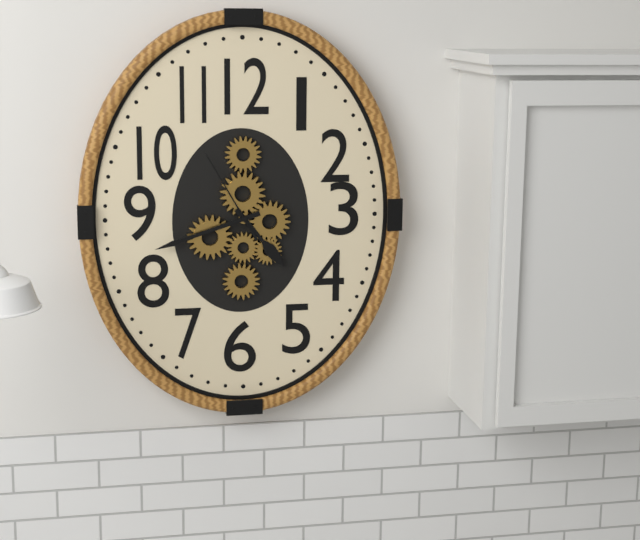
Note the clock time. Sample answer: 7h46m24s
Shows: 4h42m55s
